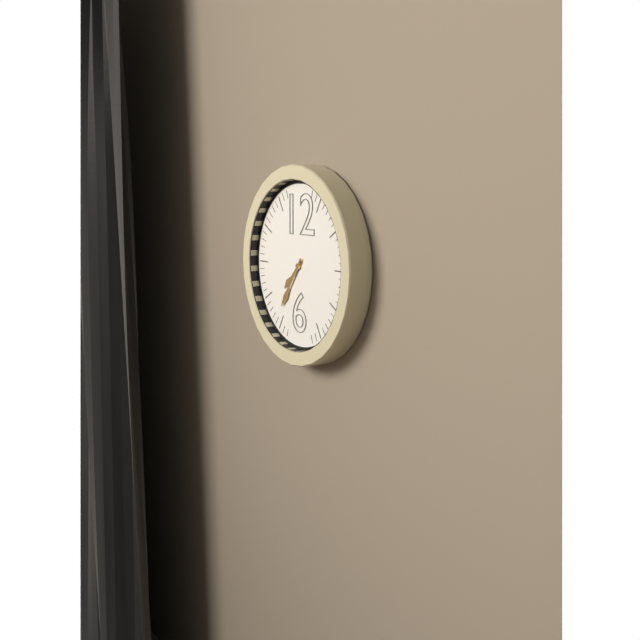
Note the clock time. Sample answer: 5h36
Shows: 7h36
